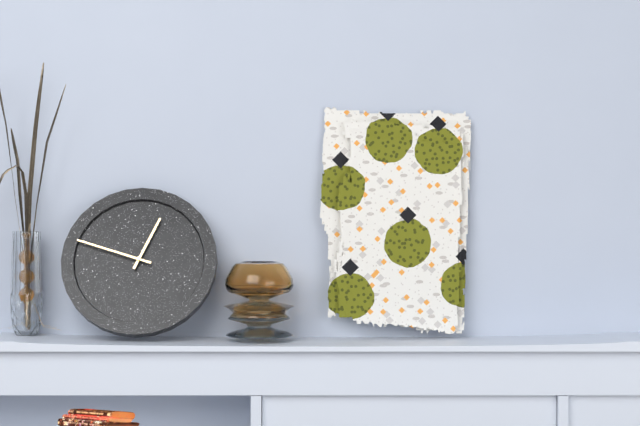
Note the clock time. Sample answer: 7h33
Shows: 12h48
